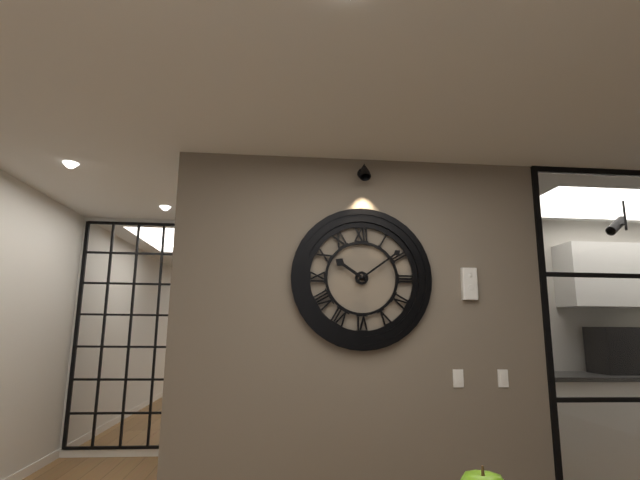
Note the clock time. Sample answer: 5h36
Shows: 10h09
